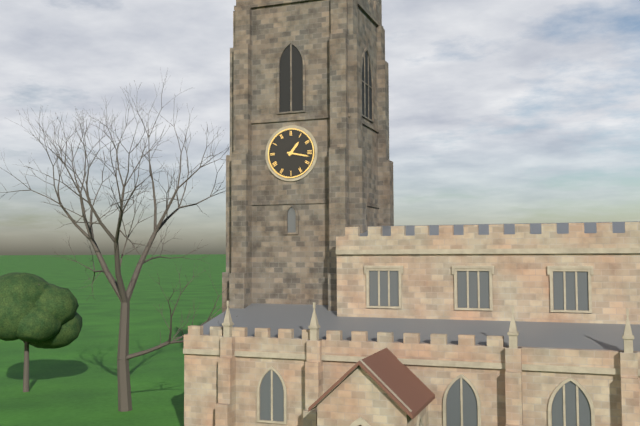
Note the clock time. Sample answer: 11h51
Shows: 1h17
